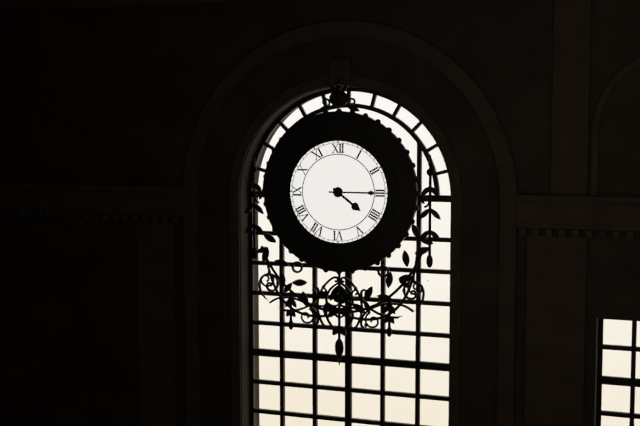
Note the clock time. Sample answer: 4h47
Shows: 4h15
